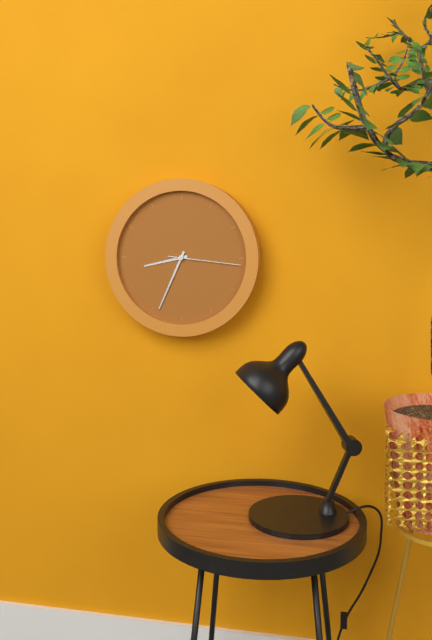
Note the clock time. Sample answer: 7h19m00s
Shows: 8h34m16s
